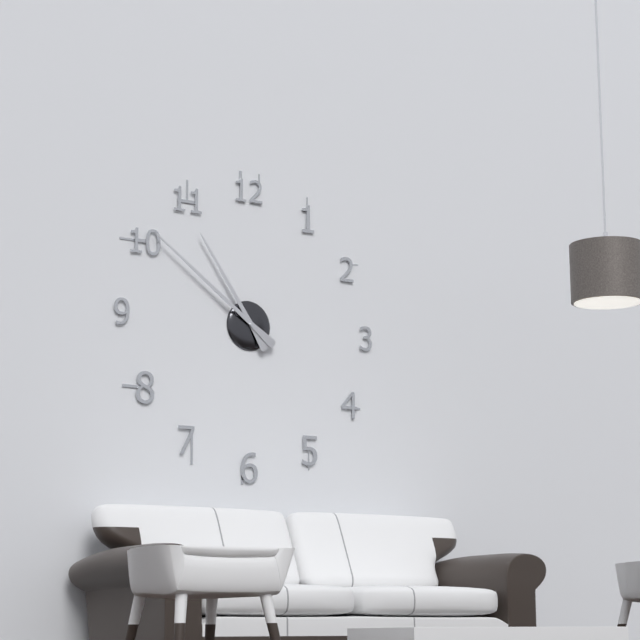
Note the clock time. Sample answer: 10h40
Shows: 10h51
